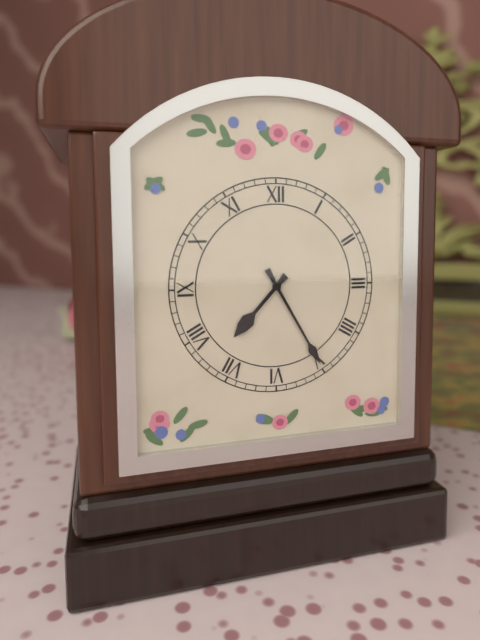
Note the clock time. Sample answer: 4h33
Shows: 7h25
